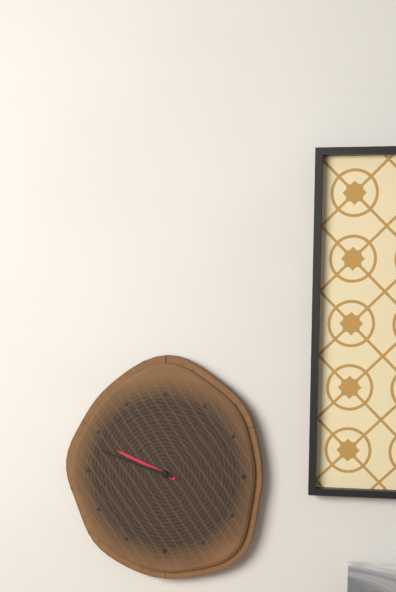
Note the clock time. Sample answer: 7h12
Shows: 9h48
